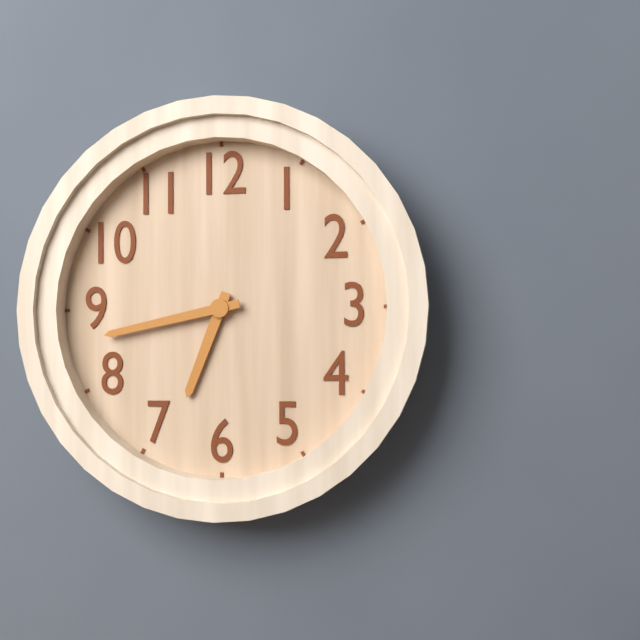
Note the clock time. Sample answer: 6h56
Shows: 6h43
